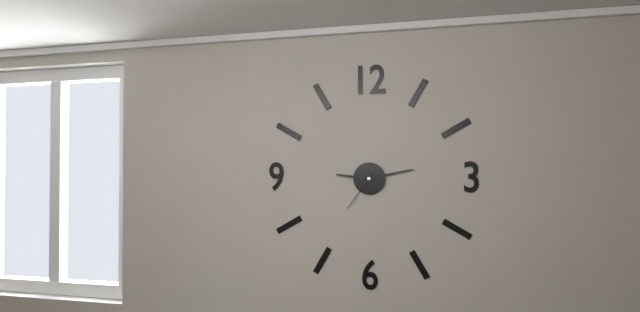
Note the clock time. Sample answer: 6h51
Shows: 9h13
